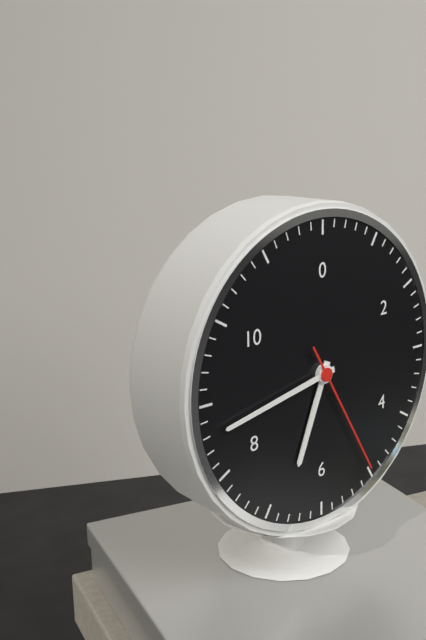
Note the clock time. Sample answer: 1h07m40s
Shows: 6h43m25s
